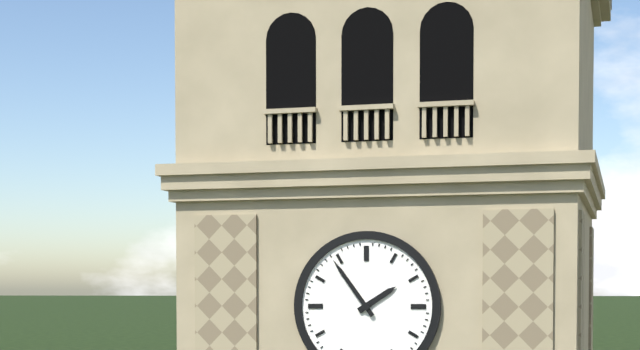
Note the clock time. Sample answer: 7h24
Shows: 1h54
